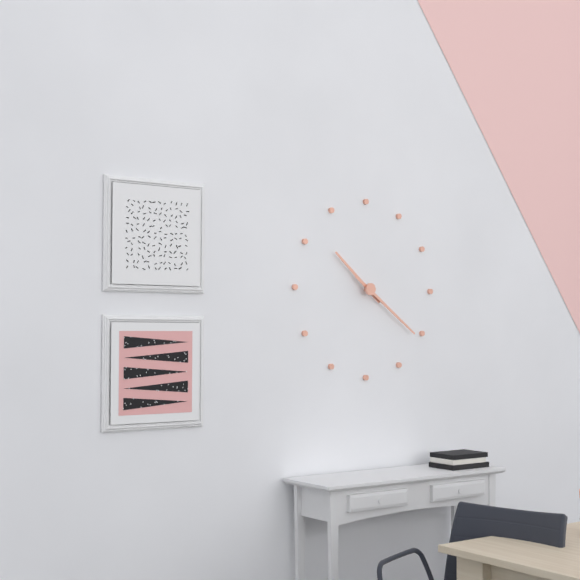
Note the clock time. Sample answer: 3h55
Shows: 10h21
